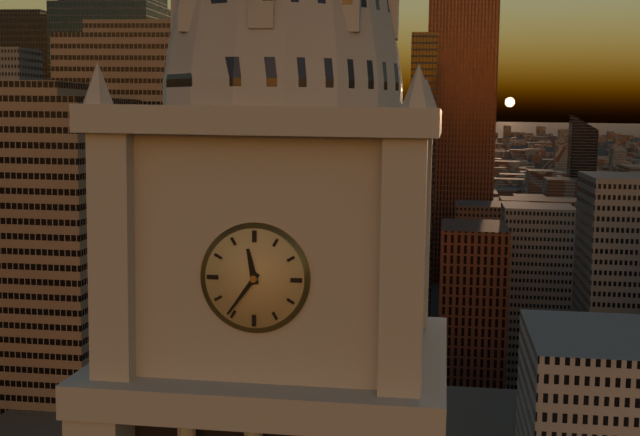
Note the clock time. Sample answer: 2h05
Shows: 11h36
